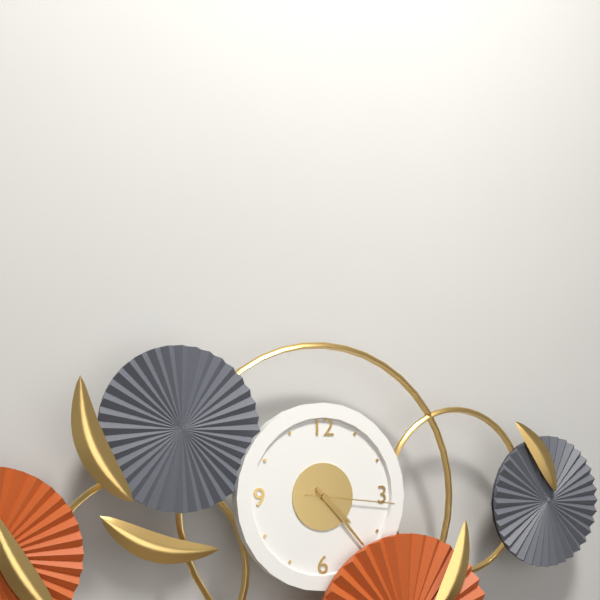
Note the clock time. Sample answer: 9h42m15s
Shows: 4h23m16s
